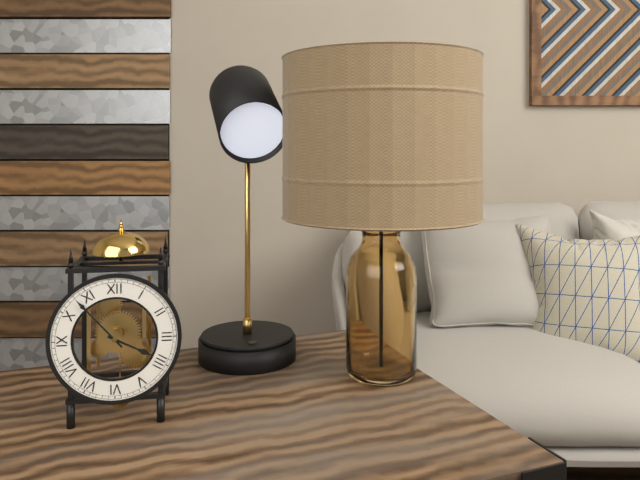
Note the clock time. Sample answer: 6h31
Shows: 3h53
